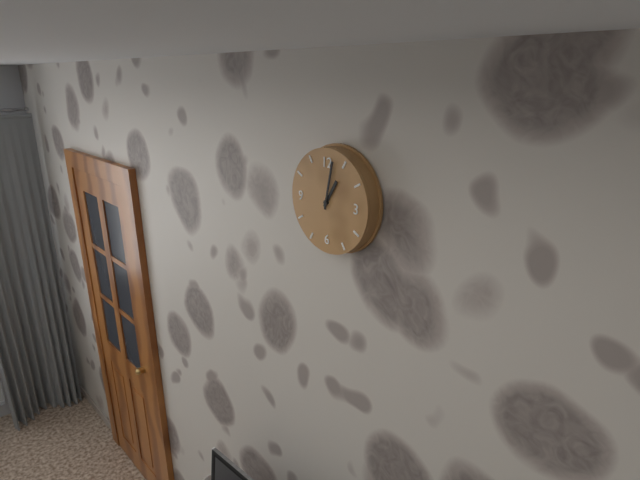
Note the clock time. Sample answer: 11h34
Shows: 1h02
